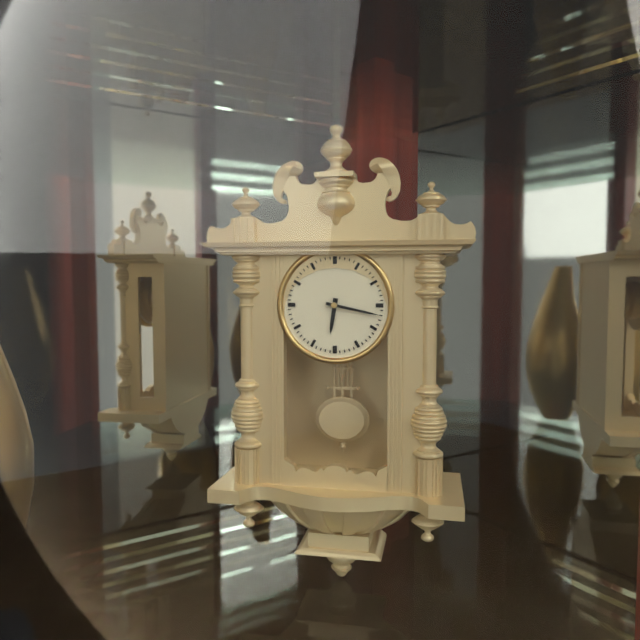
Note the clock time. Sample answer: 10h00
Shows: 6h17
